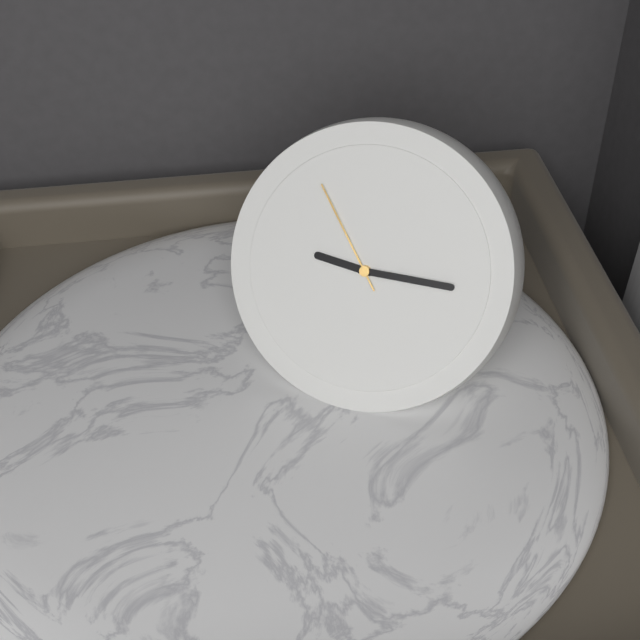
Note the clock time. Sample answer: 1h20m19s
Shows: 9h15m54s
